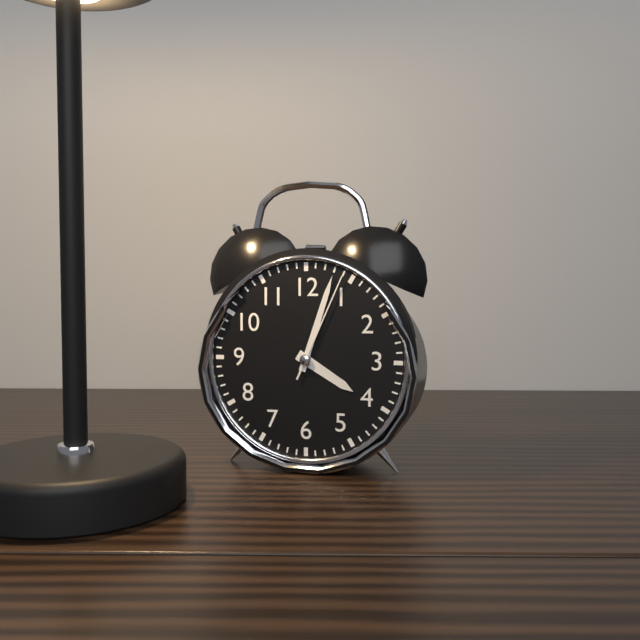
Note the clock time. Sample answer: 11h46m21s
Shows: 4h03m04s
